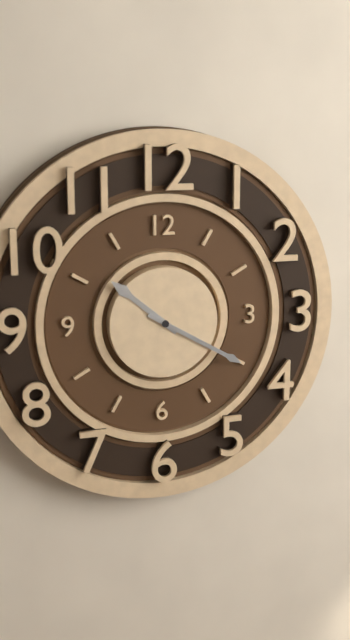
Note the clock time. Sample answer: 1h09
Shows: 10h20
